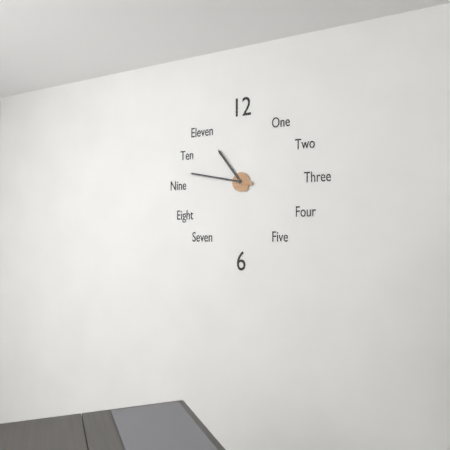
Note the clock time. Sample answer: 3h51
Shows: 10h47
